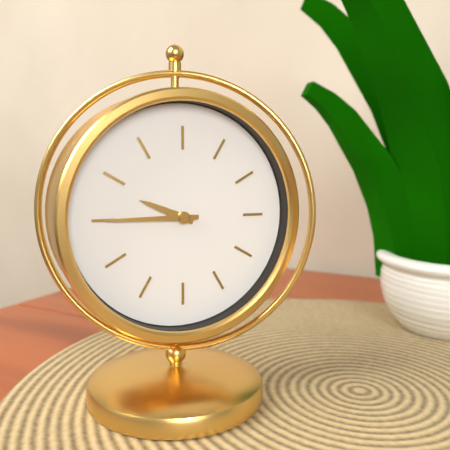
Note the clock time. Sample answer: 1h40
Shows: 9h45
